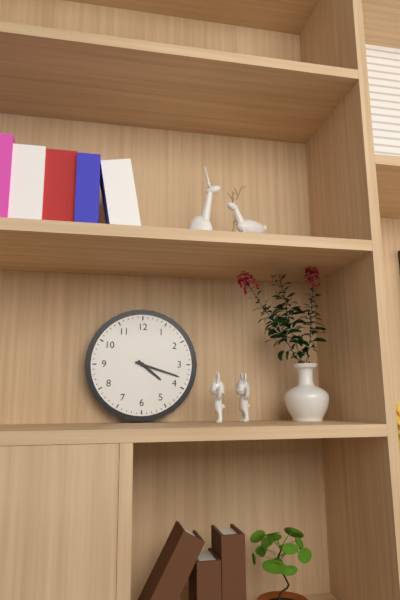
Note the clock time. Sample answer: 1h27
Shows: 4h18
